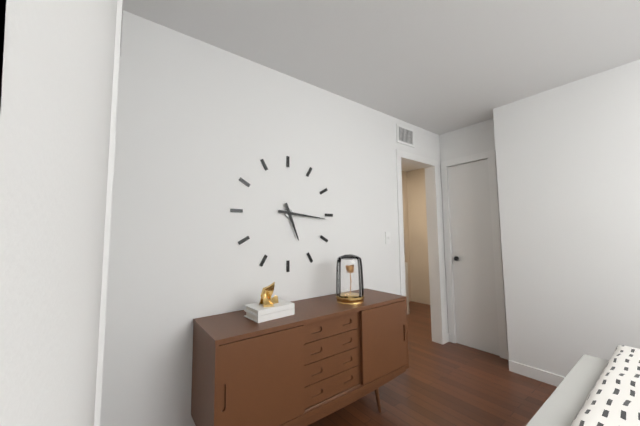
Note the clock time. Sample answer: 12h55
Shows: 5h16
